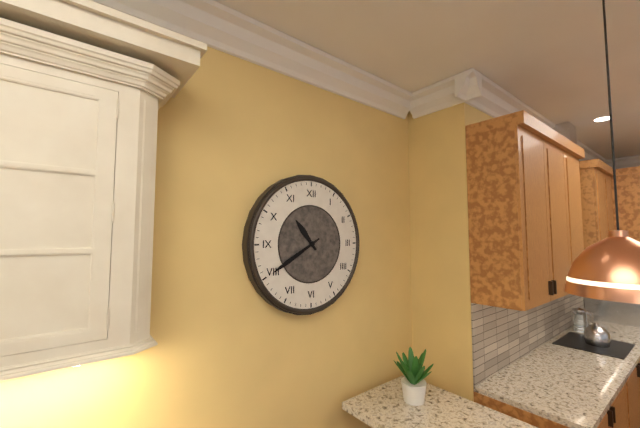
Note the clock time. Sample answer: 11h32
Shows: 10h40
